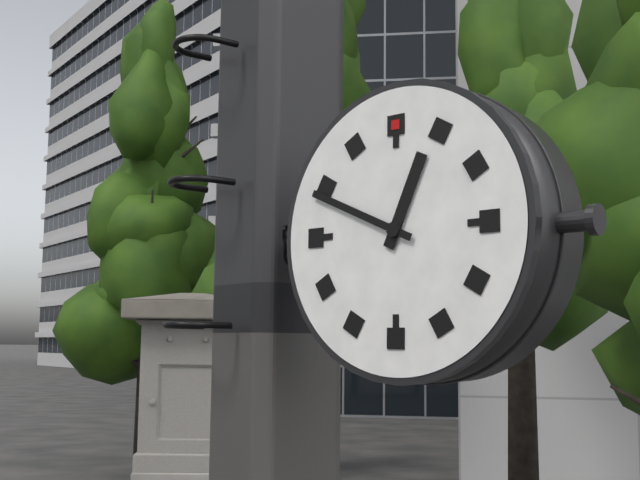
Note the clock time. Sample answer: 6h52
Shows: 12h49
